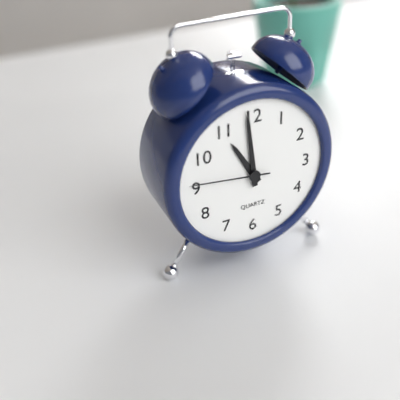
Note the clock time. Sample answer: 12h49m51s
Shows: 10h59m46s
